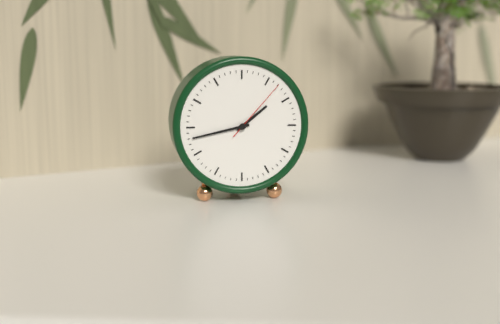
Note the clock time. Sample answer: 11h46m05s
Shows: 1h43m07s
